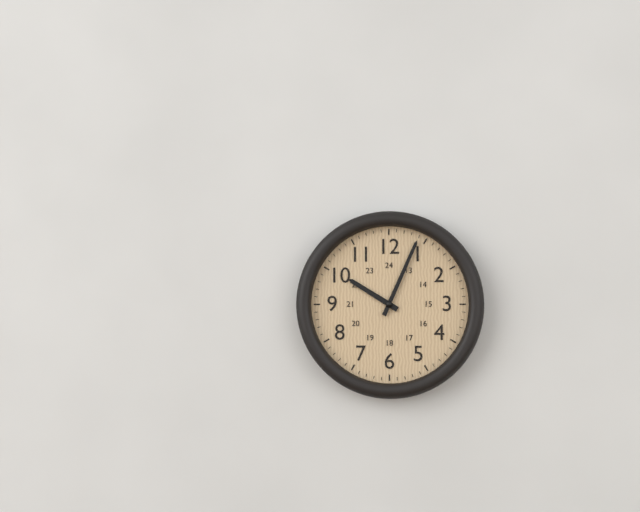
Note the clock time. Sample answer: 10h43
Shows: 10h04
